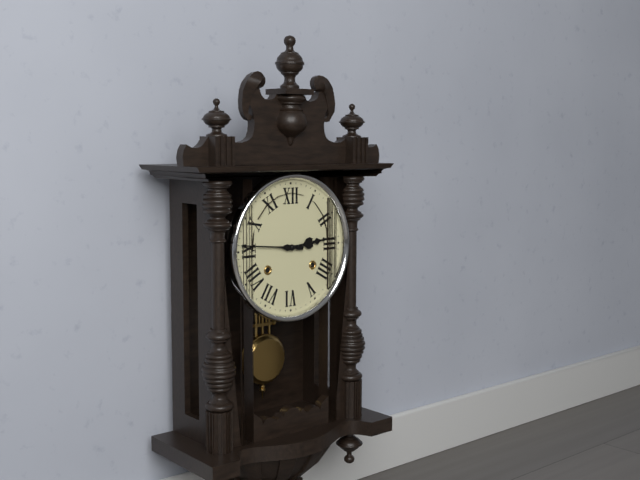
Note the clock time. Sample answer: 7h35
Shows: 2h46
